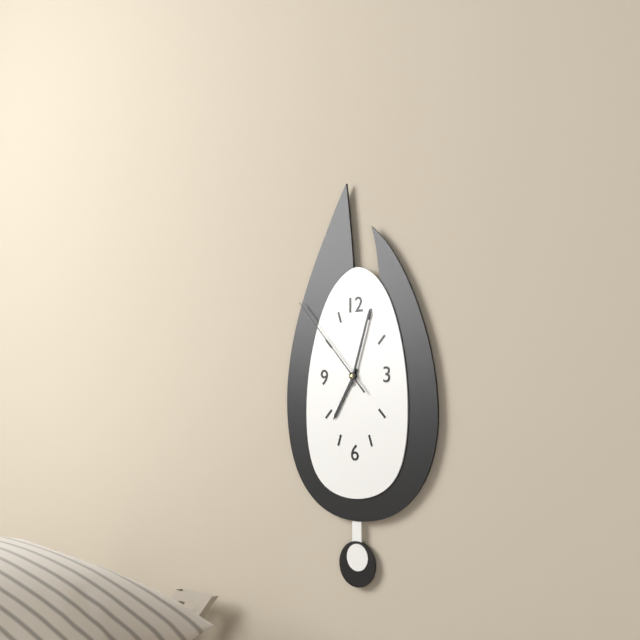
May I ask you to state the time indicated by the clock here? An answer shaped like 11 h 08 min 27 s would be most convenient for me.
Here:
7 h 03 min 53 s
